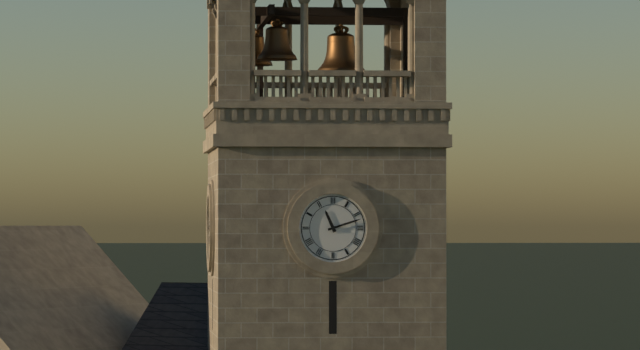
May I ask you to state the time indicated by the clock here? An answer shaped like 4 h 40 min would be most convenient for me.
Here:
11 h 12 min
